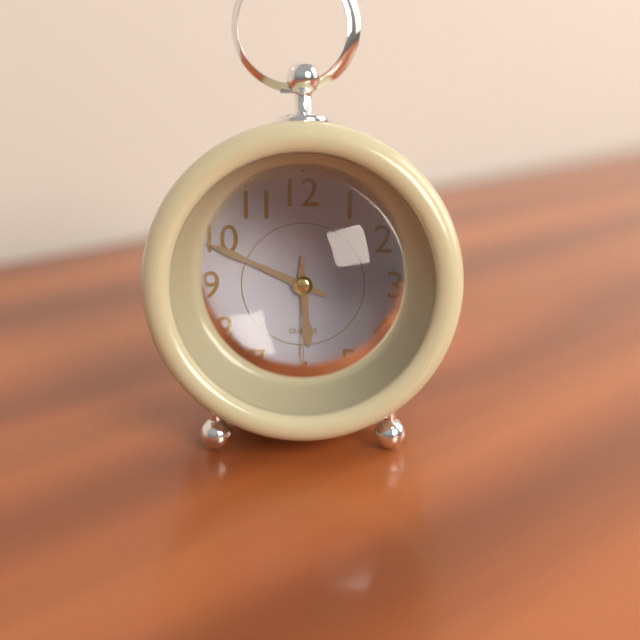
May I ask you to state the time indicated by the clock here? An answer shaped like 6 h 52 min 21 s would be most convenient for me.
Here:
5 h 49 min 30 s
